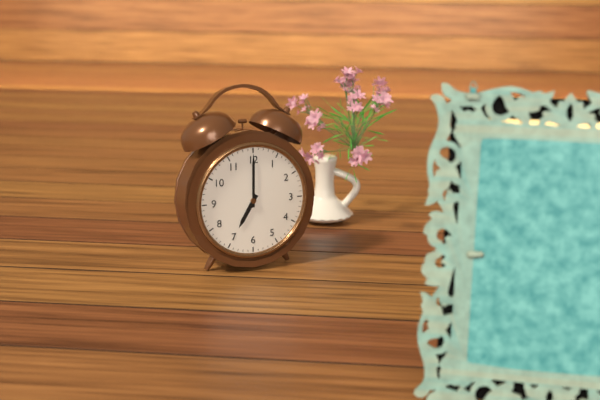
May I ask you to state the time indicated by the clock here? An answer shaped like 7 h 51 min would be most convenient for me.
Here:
7 h 00 min
